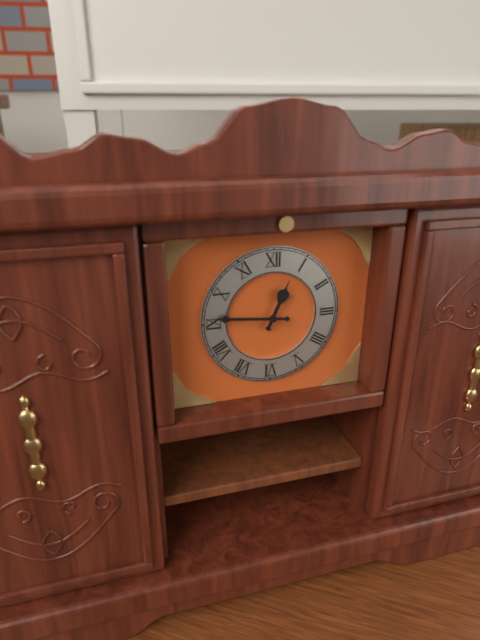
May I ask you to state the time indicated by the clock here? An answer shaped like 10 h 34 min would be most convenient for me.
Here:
12 h 46 min
